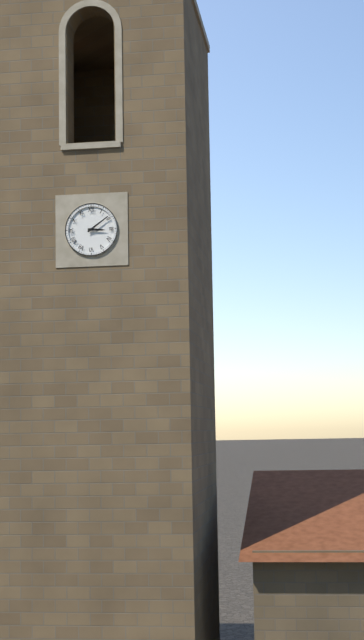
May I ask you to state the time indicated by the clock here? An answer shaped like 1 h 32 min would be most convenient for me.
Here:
3 h 09 min
